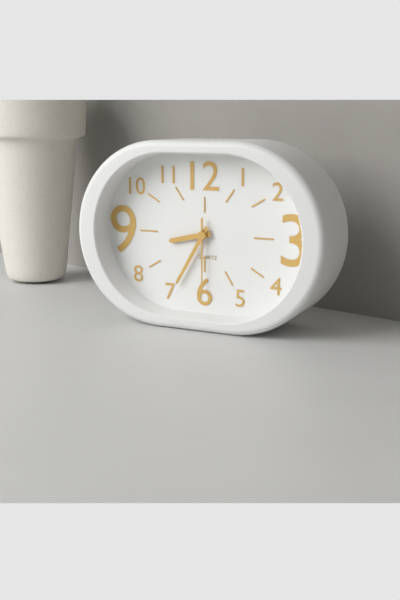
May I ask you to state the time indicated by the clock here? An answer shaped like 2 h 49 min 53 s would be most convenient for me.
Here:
8 h 35 min 30 s
